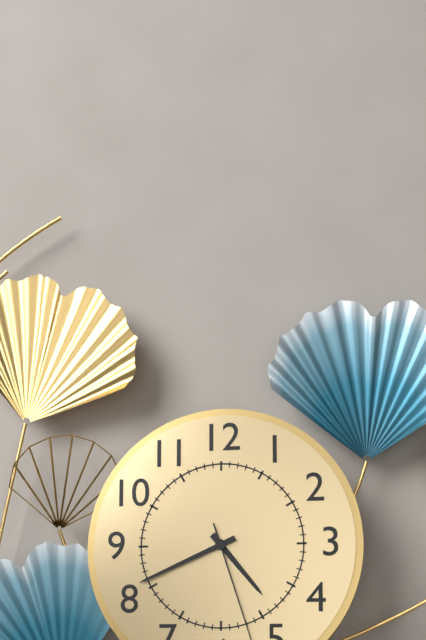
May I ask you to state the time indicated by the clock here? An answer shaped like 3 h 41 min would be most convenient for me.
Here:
4 h 41 min
